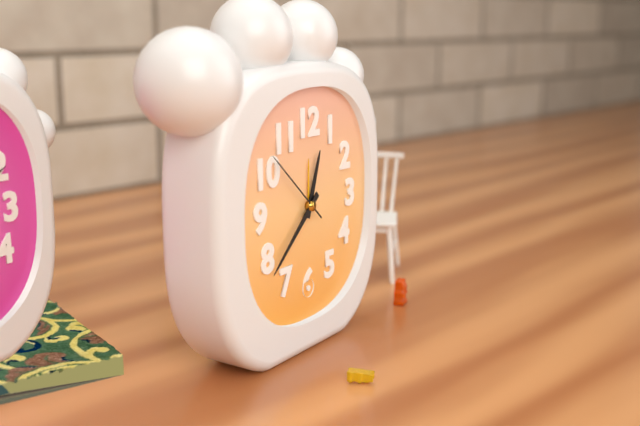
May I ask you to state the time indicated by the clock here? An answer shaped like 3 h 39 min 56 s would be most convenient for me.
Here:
12 h 38 min 52 s
